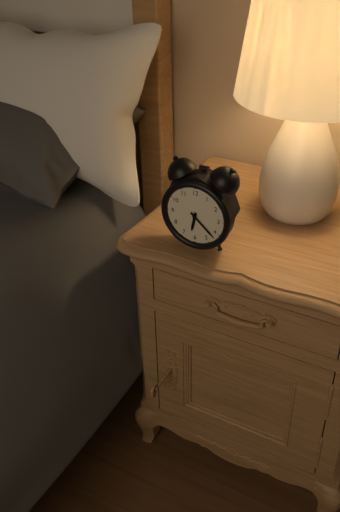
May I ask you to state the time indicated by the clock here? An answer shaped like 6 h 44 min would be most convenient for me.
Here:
6 h 22 min
